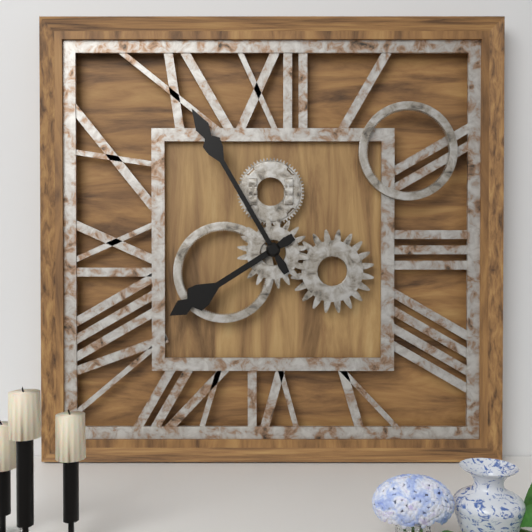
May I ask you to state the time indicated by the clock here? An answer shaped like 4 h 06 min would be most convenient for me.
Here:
7 h 55 min
